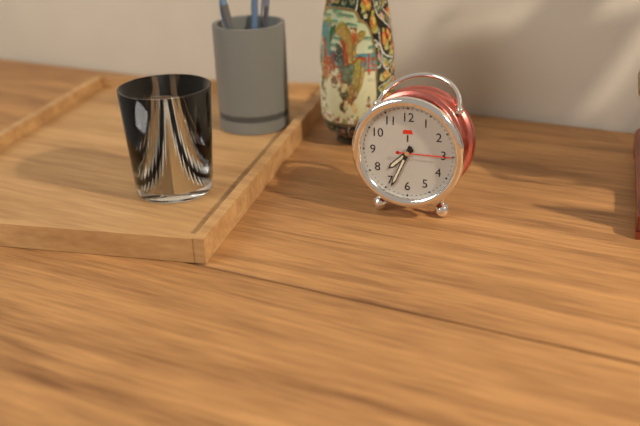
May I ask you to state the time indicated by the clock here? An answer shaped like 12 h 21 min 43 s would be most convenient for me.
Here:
7 h 34 min 15 s
